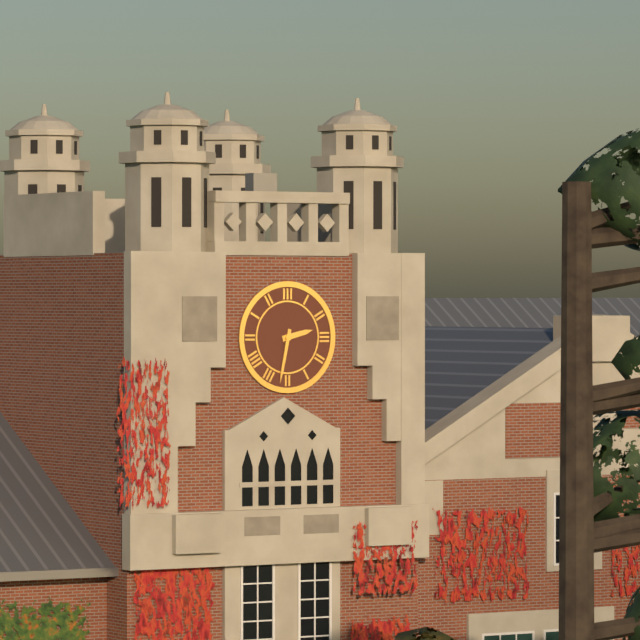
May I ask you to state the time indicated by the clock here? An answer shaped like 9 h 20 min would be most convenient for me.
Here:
2 h 32 min
